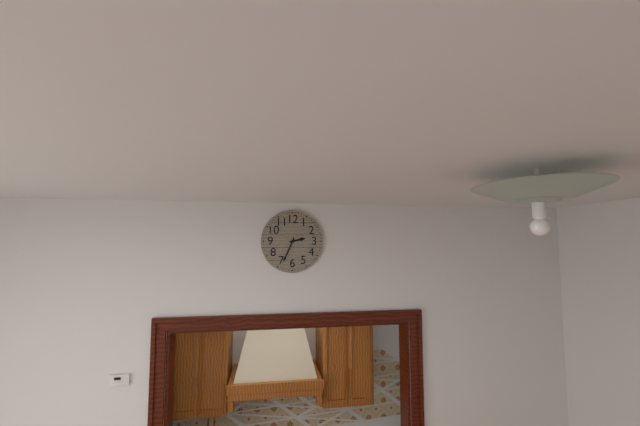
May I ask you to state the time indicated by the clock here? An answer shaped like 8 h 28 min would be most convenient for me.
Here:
2 h 34 min
